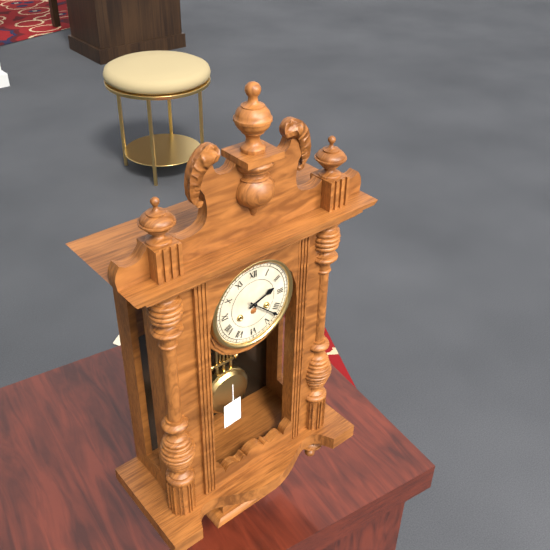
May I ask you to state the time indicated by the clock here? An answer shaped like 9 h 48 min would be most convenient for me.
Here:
2 h 22 min
